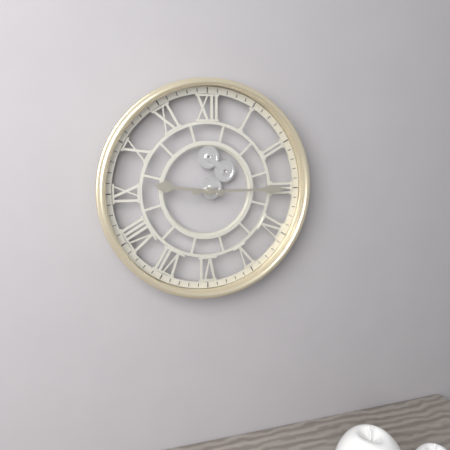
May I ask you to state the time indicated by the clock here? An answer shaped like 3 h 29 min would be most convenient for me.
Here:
9 h 15 min
